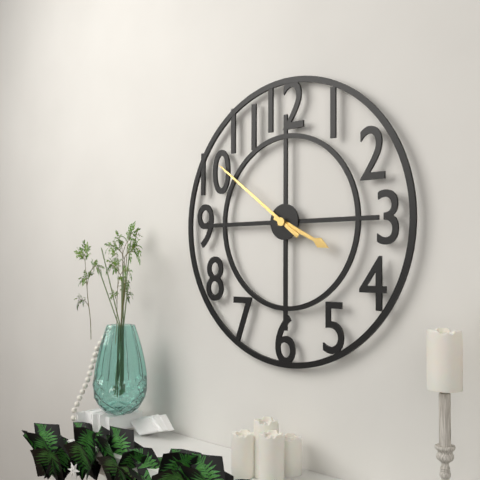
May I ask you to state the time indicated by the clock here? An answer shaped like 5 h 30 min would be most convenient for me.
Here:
3 h 51 min
